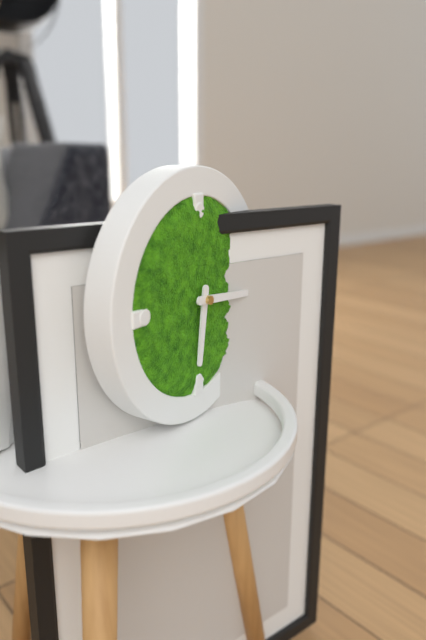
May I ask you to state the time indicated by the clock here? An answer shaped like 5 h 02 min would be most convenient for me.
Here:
6 h 16 min
